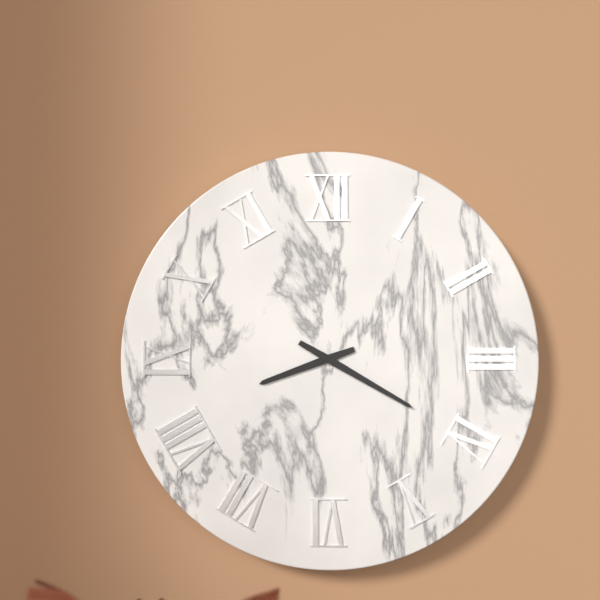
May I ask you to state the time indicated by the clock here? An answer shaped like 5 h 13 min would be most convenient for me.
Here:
8 h 20 min
